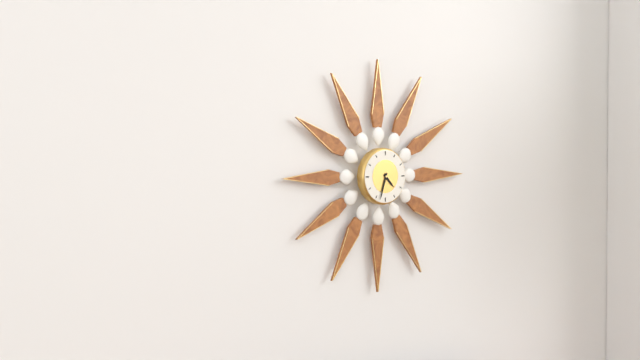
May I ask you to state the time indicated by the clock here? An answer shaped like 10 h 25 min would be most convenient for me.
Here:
4 h 33 min
